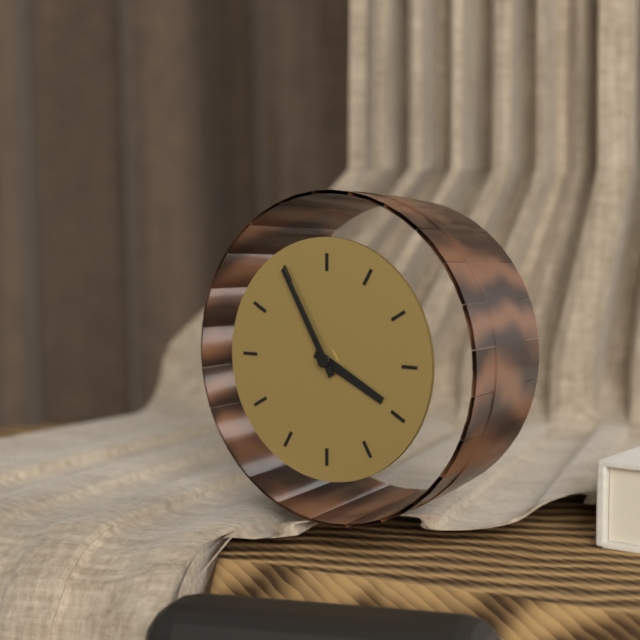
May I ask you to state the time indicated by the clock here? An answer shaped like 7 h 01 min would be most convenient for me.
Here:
3 h 55 min
